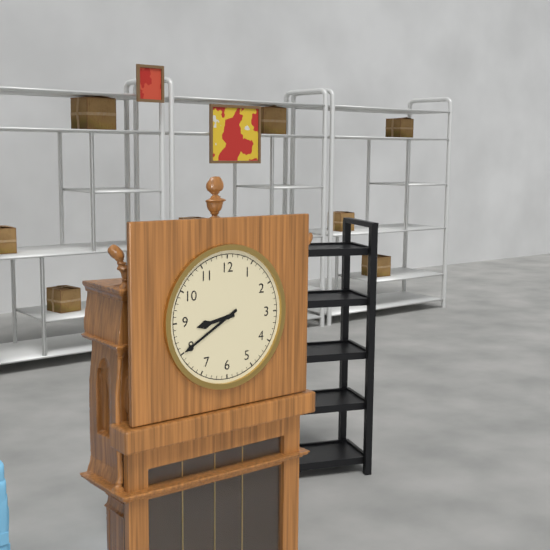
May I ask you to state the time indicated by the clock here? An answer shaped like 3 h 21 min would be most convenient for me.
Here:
8 h 40 min
